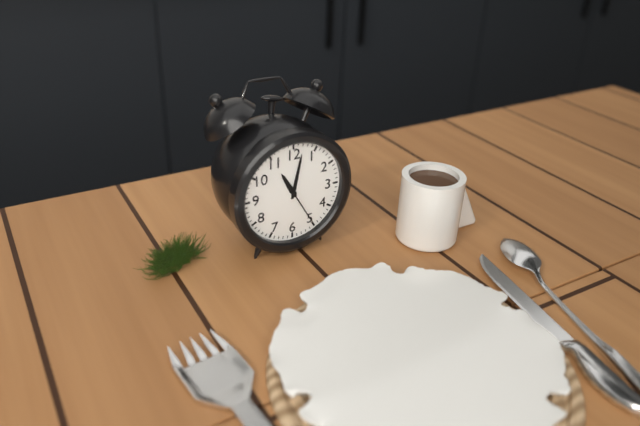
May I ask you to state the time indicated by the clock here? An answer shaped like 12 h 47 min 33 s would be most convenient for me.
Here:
11 h 02 min 25 s
